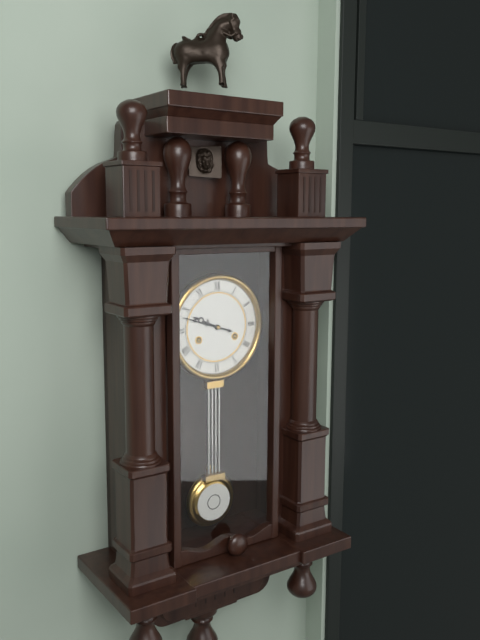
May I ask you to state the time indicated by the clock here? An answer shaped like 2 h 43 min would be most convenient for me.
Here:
9 h 48 min
